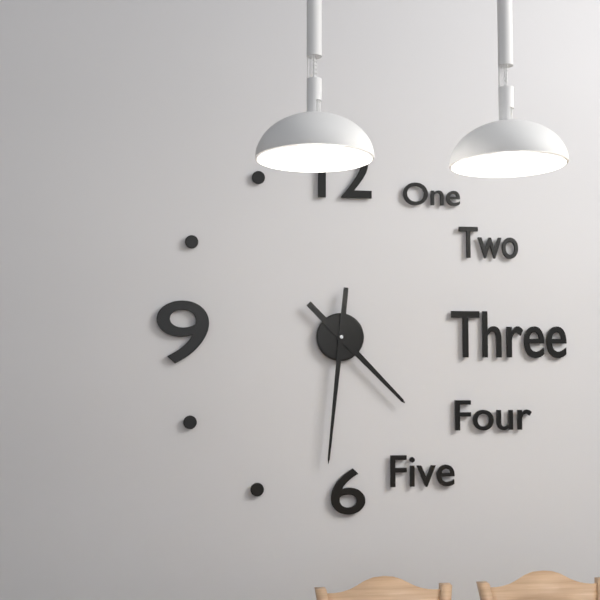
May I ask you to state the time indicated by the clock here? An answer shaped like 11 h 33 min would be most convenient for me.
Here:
4 h 31 min
